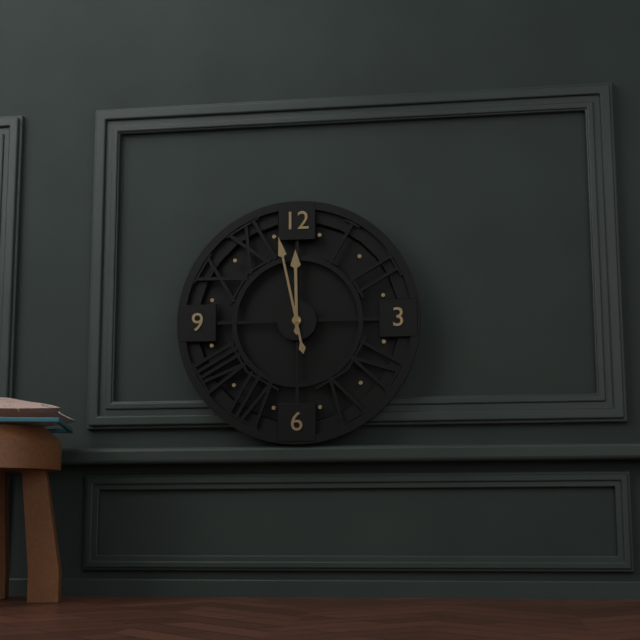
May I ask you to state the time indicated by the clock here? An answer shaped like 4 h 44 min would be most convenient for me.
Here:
11 h 58 min
